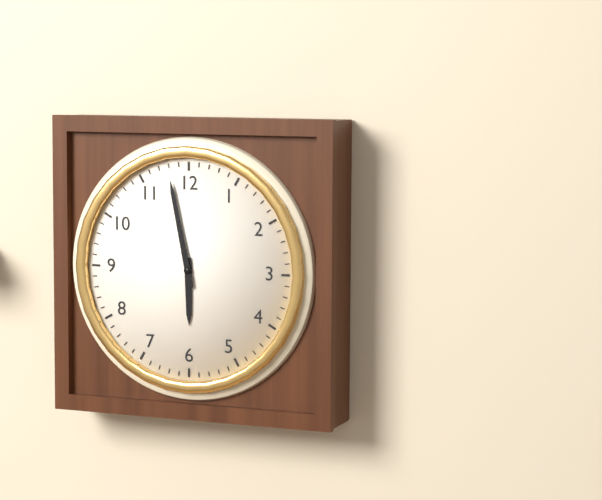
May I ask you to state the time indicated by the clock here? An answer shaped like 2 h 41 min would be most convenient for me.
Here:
5 h 58 min
